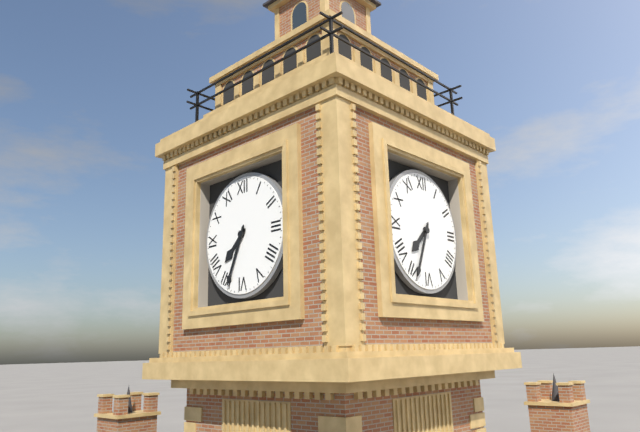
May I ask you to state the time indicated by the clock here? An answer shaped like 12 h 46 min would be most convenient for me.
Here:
7 h 34 min
